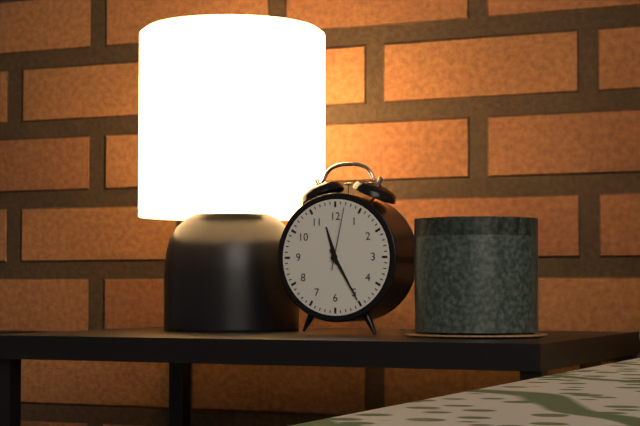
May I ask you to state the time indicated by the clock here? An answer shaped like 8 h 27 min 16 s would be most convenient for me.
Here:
11 h 25 min 02 s
